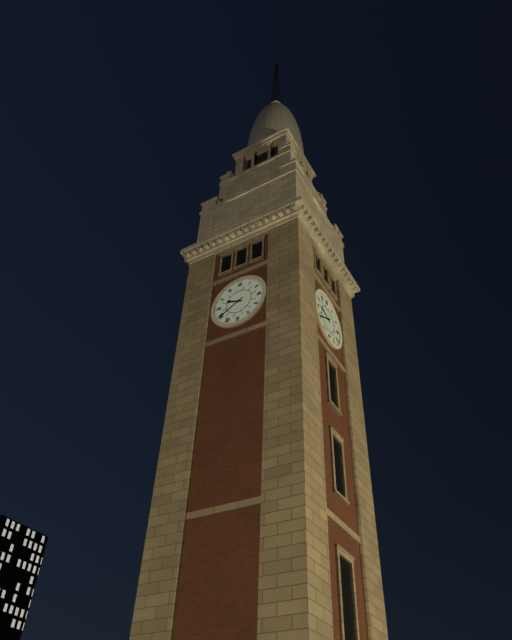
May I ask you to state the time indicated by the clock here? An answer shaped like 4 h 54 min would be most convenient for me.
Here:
9 h 40 min
